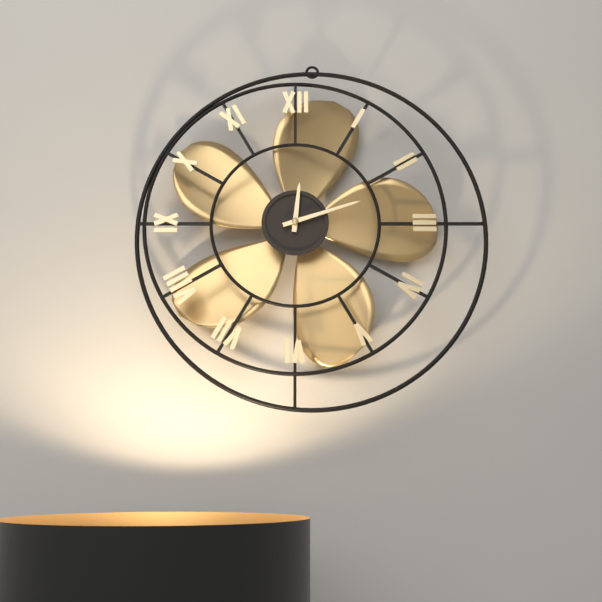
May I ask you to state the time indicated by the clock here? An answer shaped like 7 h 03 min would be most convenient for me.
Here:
12 h 12 min
